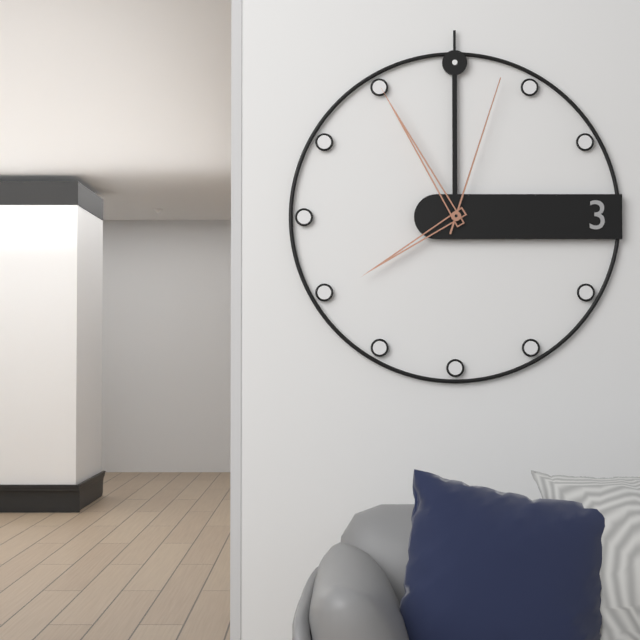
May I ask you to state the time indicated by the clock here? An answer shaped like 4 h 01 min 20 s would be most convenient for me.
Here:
7 h 55 min 03 s
